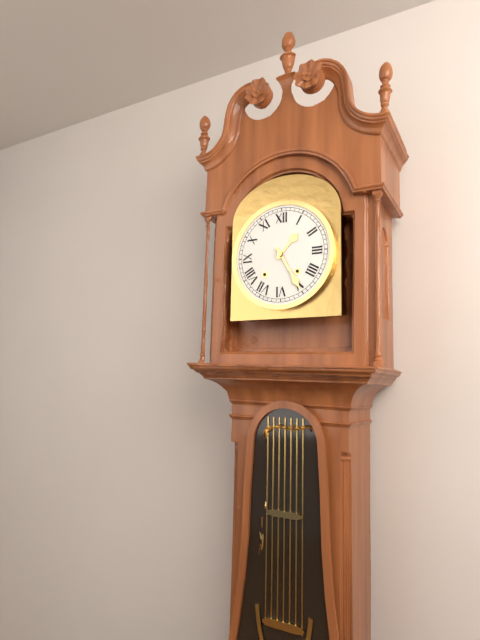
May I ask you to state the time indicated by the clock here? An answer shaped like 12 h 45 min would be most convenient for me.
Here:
1 h 25 min
